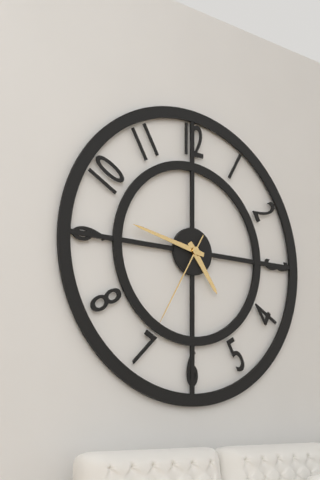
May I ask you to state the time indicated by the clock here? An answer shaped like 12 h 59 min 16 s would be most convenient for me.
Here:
4 h 47 min 35 s
